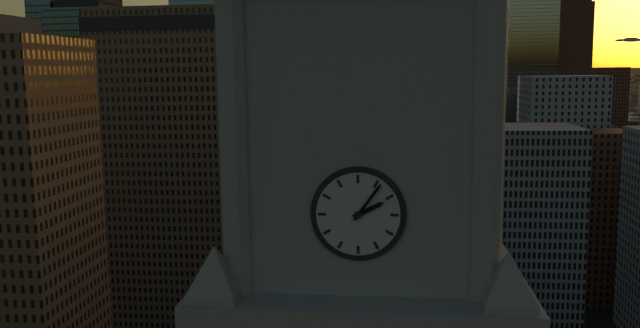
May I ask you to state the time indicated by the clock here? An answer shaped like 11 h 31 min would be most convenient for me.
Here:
2 h 06 min
